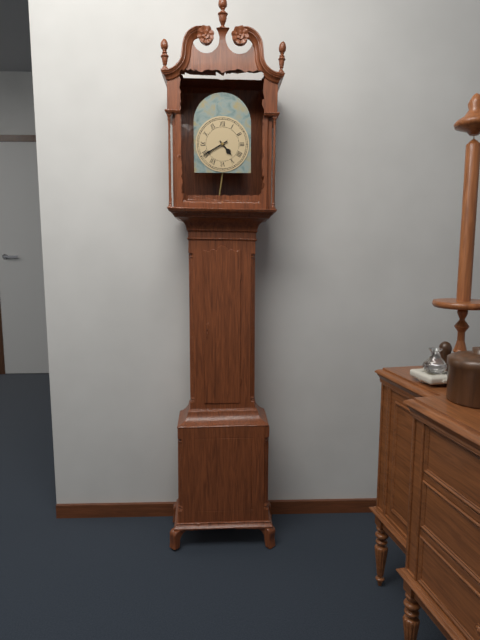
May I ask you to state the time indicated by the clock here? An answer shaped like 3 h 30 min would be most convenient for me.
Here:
4 h 40 min
